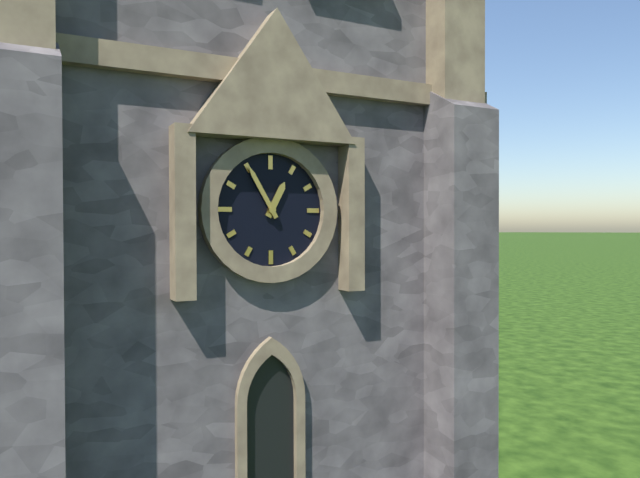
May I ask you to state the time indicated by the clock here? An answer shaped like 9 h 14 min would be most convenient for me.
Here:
12 h 55 min
